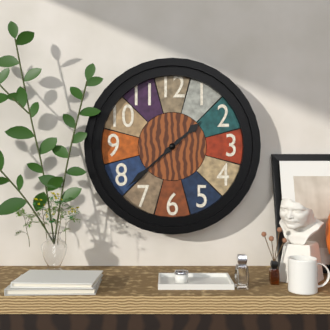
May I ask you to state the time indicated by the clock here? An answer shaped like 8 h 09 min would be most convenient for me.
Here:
1 h 38 min
